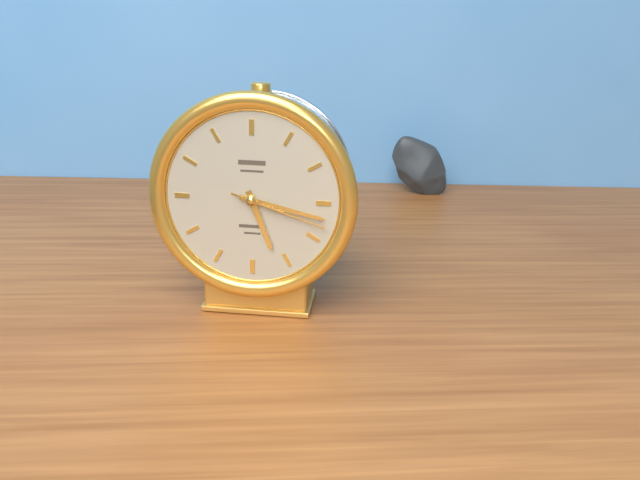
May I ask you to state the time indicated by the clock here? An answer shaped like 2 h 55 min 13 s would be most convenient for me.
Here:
5 h 17 min 18 s
